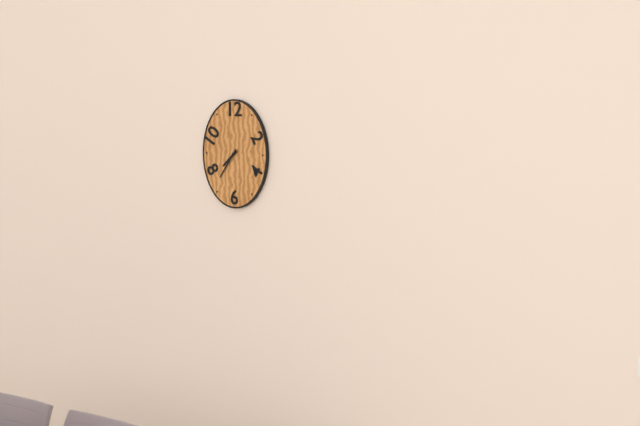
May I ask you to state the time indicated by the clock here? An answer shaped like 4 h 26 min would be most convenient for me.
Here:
7 h 36 min
